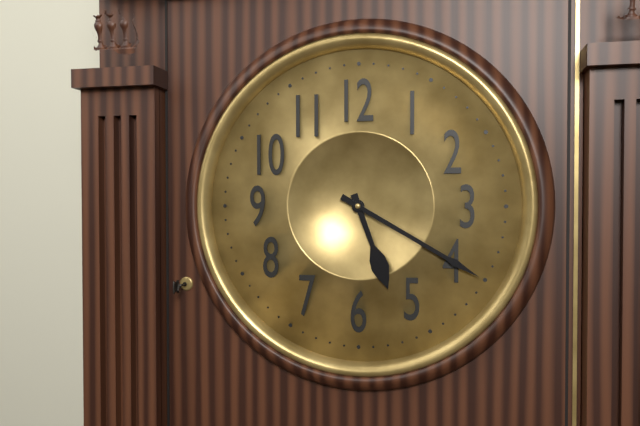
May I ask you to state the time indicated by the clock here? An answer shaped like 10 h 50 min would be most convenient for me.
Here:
5 h 20 min
